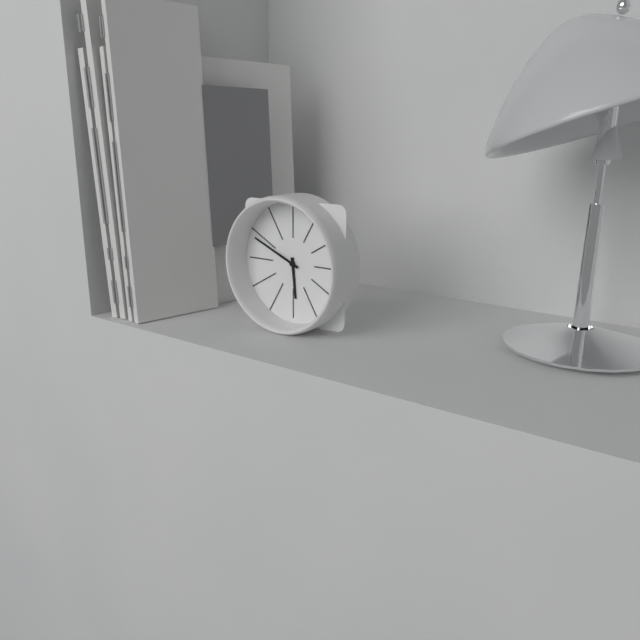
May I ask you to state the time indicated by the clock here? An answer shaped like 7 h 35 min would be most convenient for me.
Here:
5 h 49 min
